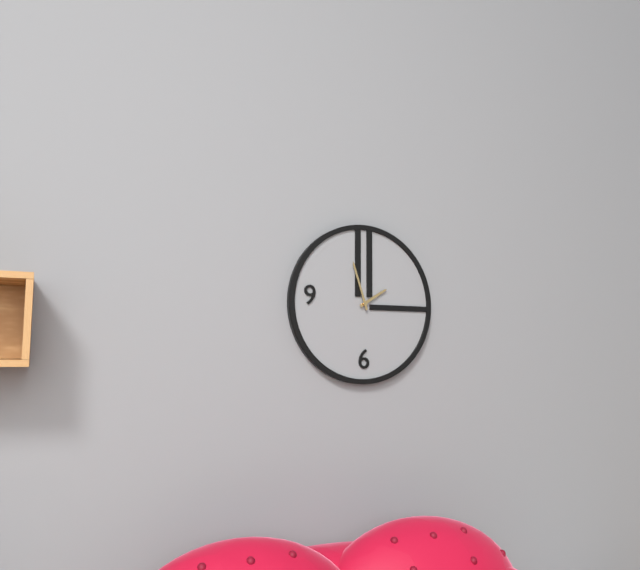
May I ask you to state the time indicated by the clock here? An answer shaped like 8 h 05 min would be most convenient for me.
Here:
1 h 57 min
